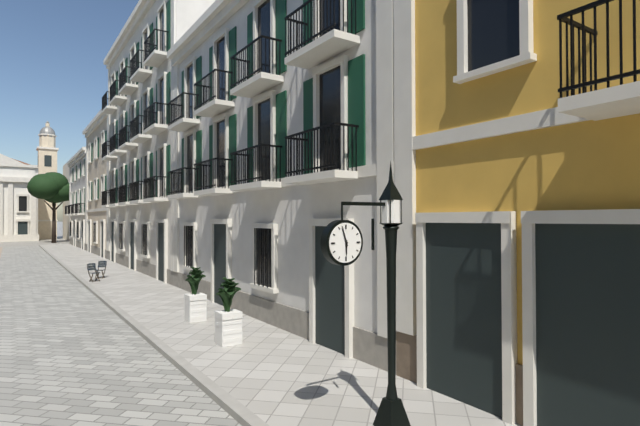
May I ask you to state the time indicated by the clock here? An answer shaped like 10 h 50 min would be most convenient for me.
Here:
5 h 57 min
